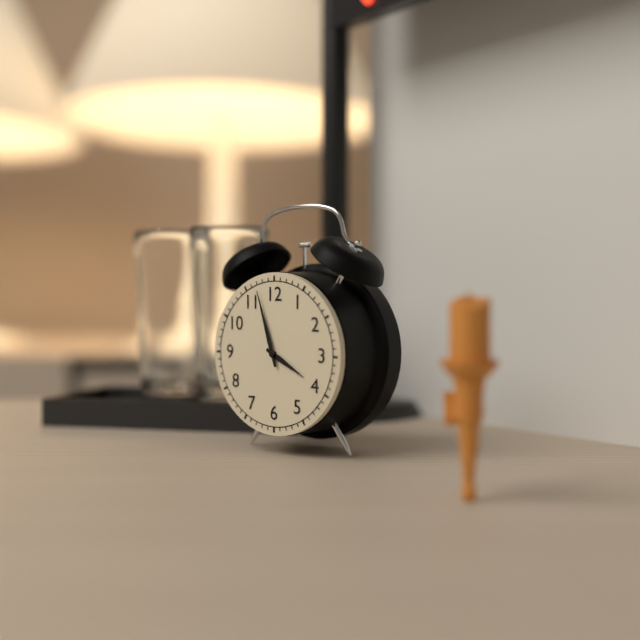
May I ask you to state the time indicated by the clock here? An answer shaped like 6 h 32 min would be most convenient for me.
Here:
3 h 57 min
